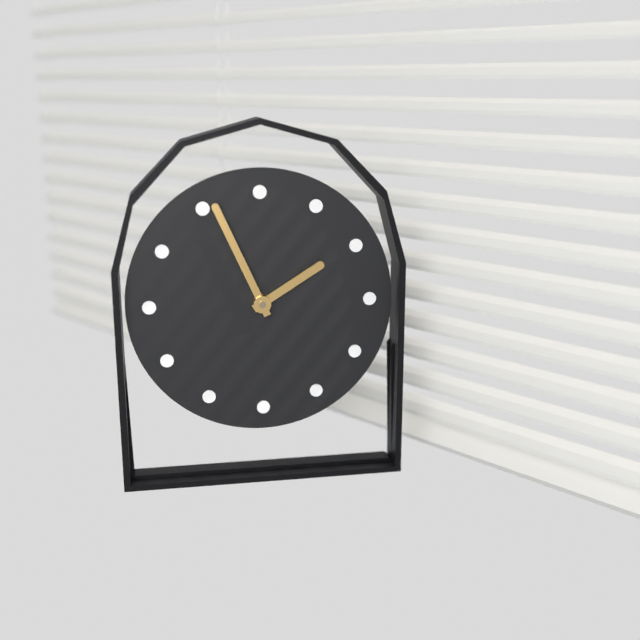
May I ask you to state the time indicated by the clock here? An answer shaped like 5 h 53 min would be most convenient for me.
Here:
1 h 56 min
